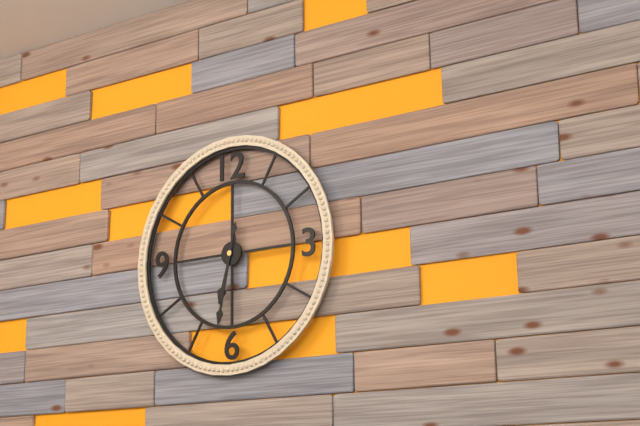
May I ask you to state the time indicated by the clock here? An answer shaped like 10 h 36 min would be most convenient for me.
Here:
6 h 32 min
